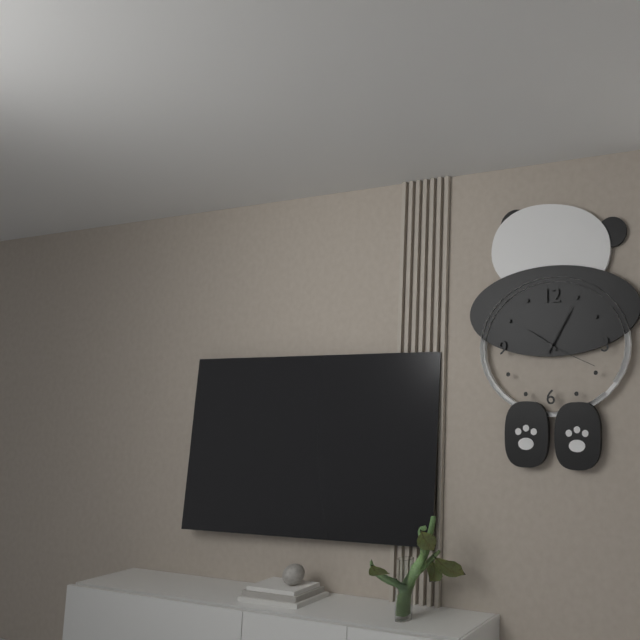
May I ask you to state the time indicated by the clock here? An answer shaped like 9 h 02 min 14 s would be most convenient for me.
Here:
10 h 05 min 19 s
